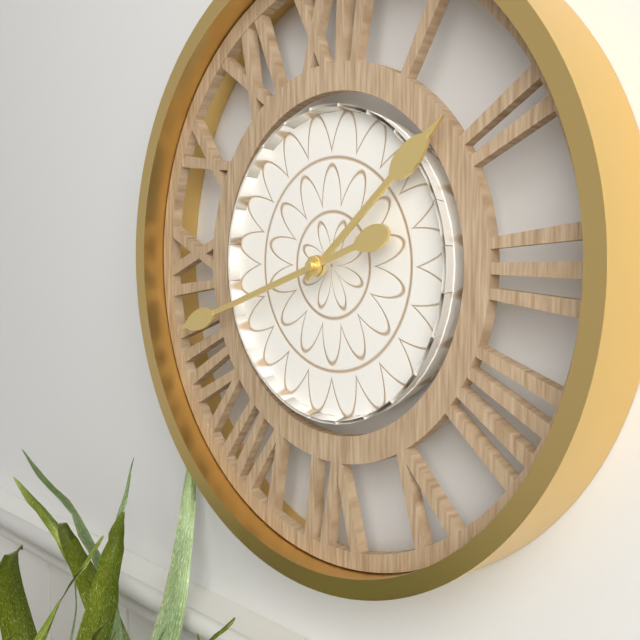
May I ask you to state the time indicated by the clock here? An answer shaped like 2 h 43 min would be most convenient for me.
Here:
1 h 42 min
